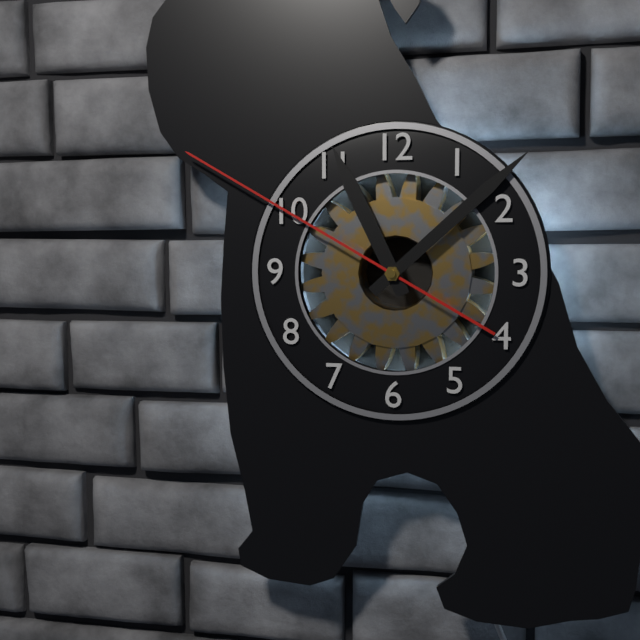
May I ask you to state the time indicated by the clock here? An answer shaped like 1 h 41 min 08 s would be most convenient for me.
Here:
11 h 08 min 50 s
